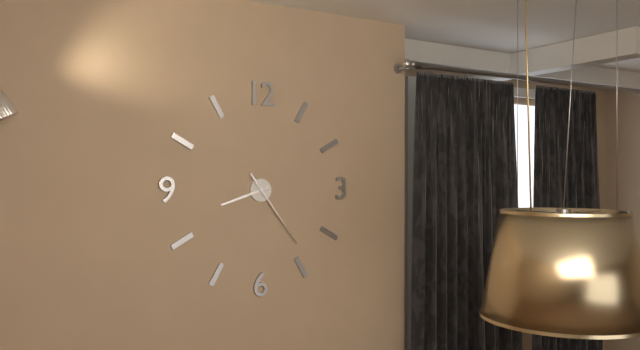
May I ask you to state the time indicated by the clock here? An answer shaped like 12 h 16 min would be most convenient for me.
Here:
8 h 24 min
